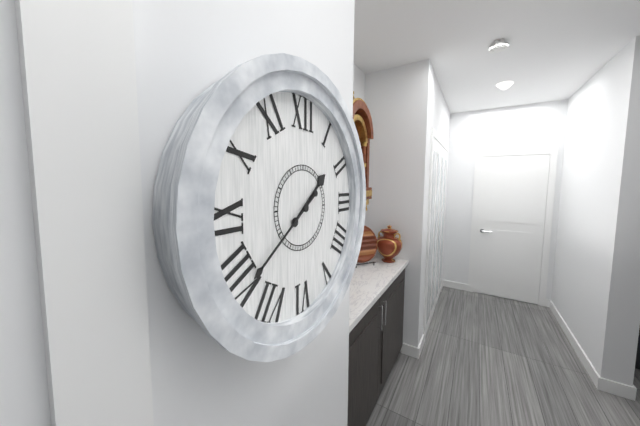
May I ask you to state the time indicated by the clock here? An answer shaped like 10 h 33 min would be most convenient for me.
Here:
1 h 39 min
